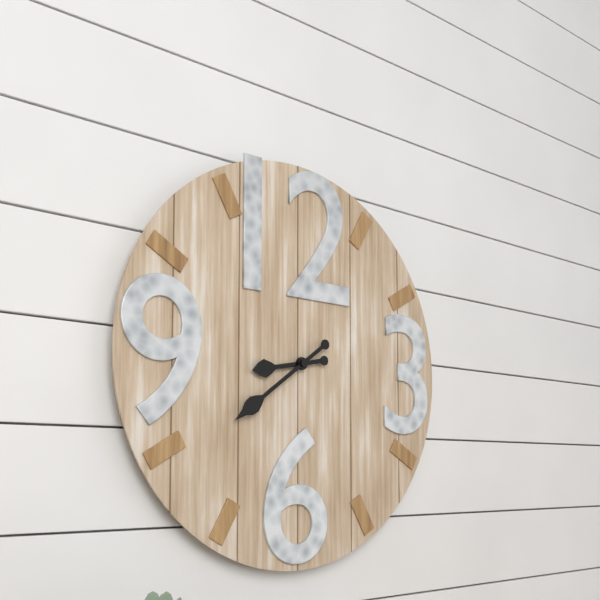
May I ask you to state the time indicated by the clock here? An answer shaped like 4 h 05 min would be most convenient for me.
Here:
8 h 39 min
